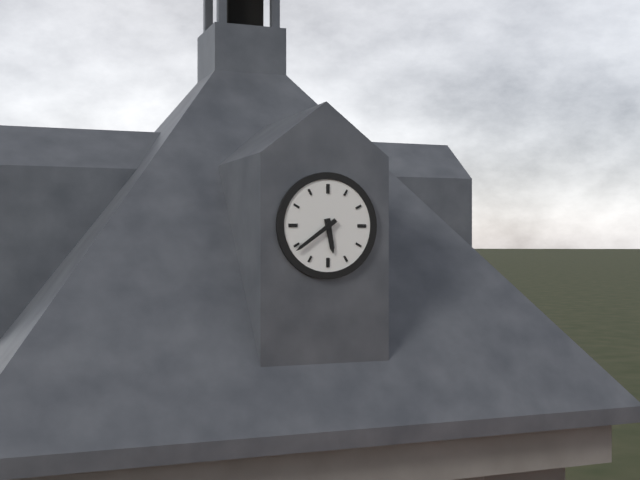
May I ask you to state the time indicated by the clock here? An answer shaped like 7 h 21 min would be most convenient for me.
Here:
5 h 39 min
